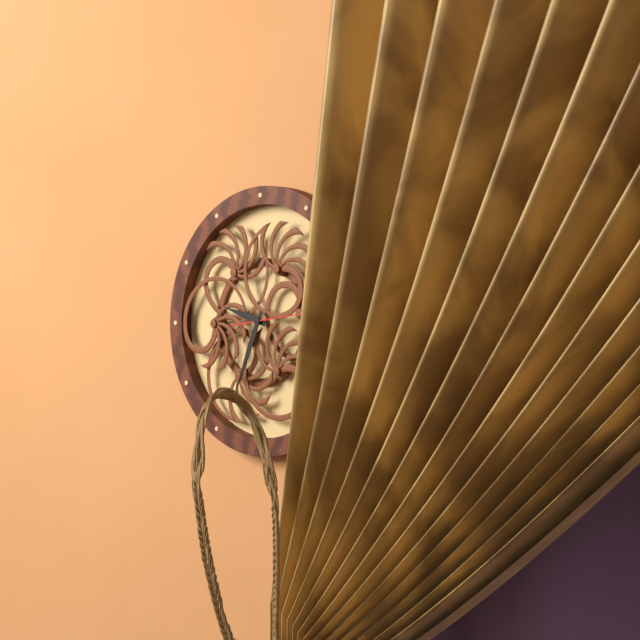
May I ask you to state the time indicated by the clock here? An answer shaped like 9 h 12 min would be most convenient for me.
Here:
9 h 34 min
